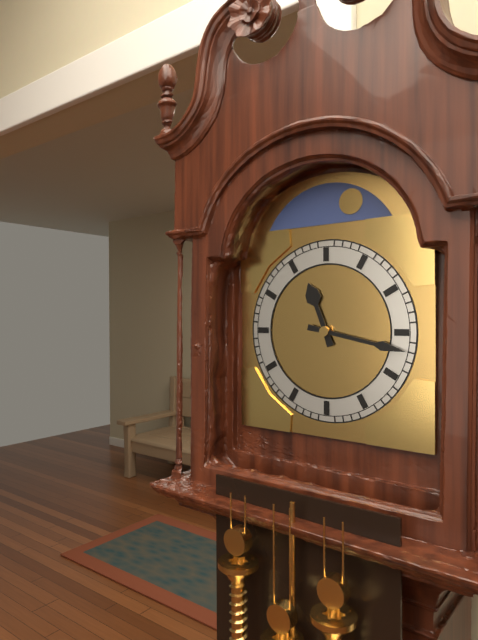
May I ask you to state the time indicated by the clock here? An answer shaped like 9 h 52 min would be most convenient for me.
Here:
11 h 17 min
